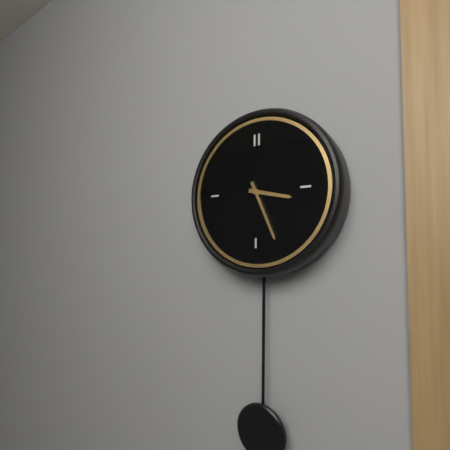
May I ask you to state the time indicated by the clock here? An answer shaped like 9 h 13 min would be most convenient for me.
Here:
3 h 26 min
